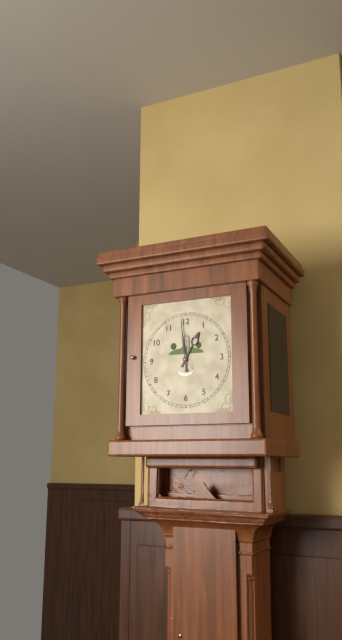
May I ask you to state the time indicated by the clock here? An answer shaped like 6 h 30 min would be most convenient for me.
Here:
12 h 59 min
